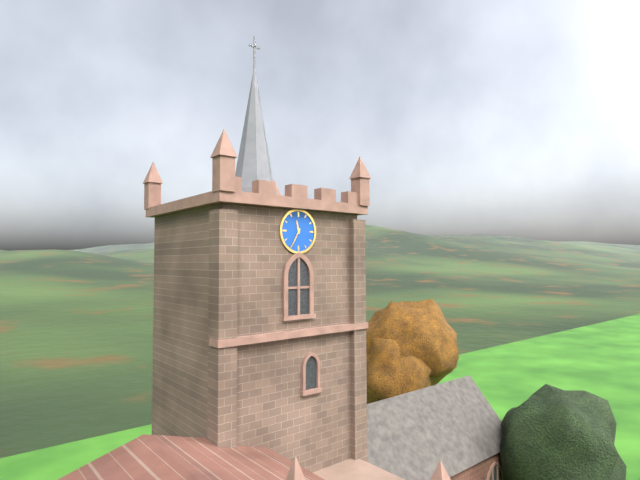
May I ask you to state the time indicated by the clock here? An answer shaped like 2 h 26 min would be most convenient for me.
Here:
11 h 35 min
